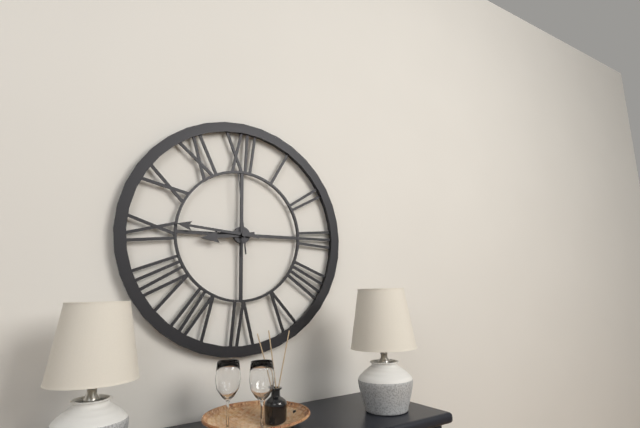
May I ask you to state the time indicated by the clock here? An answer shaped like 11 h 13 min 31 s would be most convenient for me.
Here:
8 h 46 min 59 s
